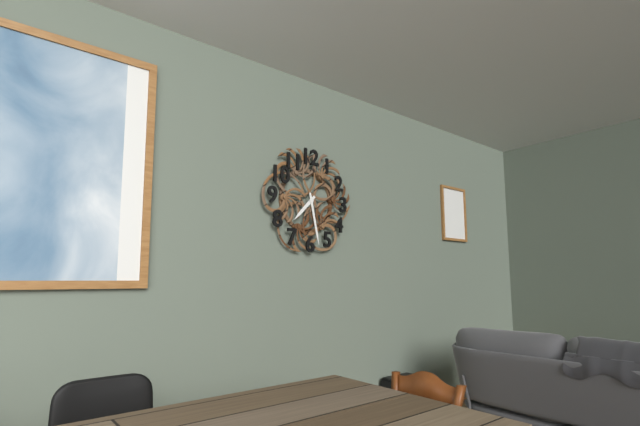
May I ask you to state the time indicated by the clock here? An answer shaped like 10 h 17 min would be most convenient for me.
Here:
7 h 28 min
